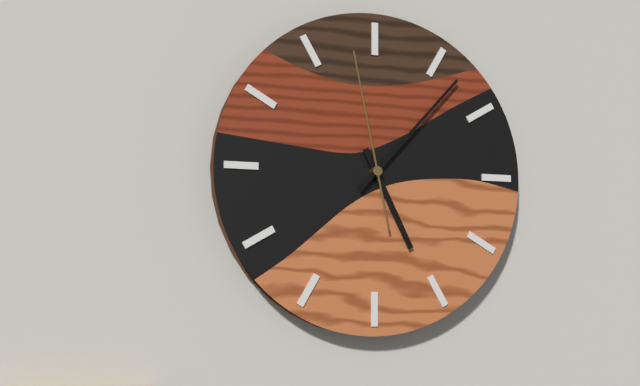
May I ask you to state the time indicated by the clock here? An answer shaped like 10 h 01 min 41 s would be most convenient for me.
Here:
5 h 07 min 58 s
